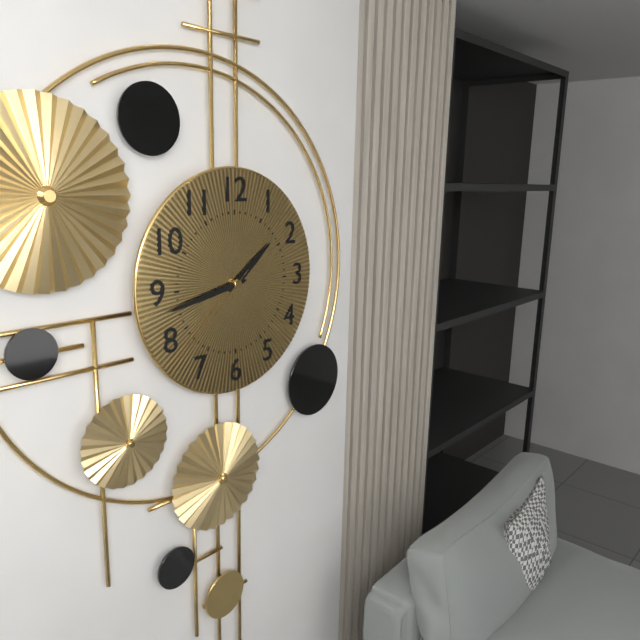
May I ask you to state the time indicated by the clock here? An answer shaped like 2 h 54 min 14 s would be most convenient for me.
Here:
1 h 43 min 38 s
